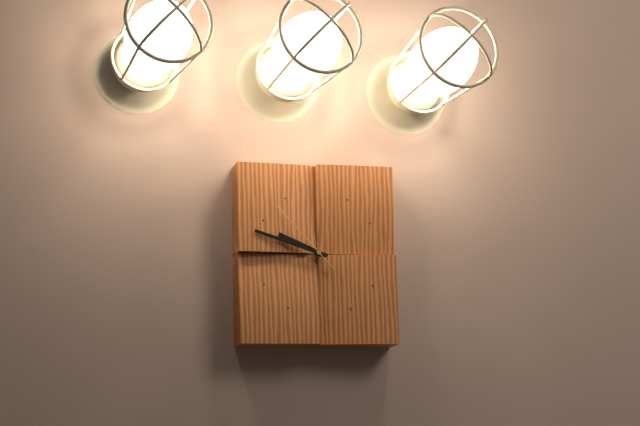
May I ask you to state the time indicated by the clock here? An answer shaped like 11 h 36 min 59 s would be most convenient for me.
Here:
9 h 48 min 53 s
